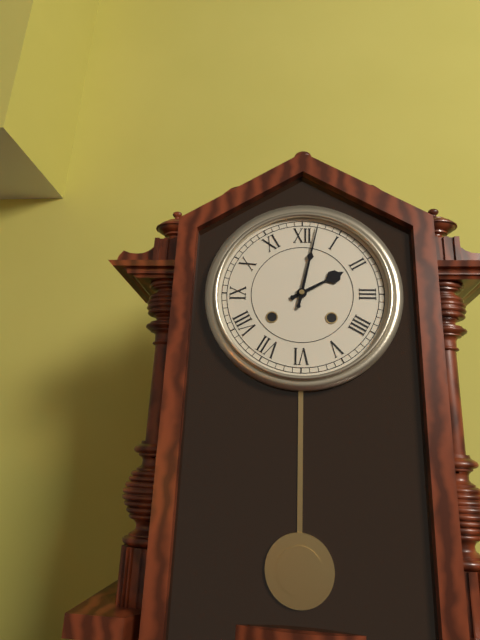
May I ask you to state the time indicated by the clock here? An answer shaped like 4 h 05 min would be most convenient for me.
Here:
2 h 02 min
